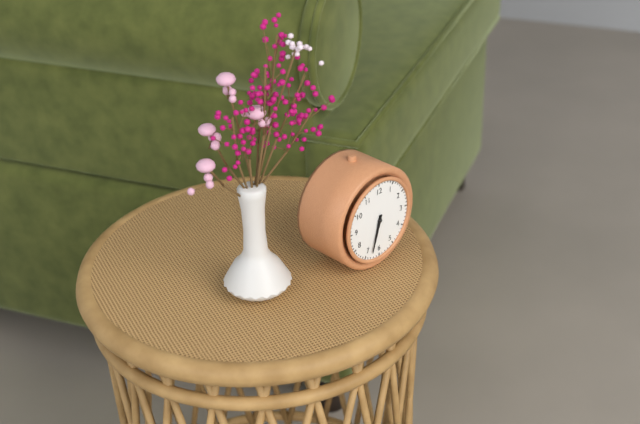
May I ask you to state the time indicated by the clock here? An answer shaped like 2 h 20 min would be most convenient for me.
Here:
6 h 33 min
